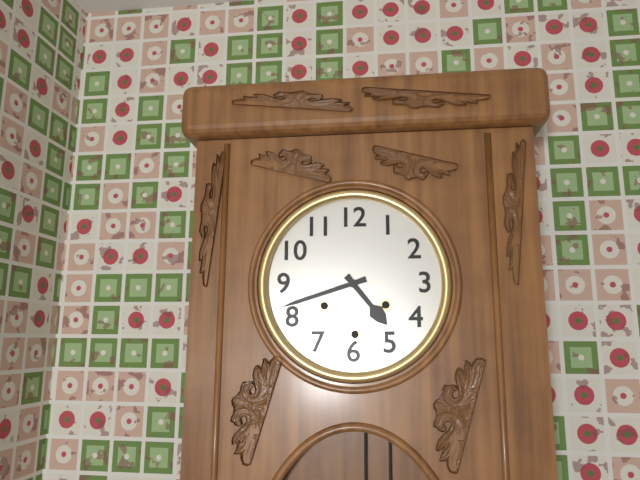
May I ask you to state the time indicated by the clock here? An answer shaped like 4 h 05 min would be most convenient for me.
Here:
4 h 42 min
